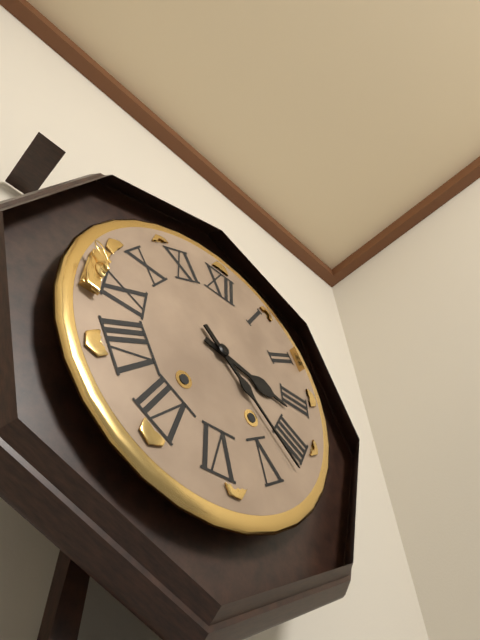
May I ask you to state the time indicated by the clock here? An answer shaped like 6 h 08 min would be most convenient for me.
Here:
3 h 22 min
